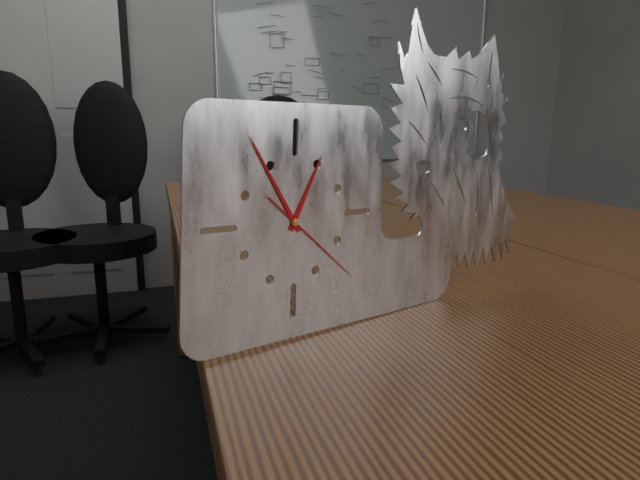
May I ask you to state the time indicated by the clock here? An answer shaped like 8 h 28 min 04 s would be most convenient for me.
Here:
12 h 55 min 22 s
